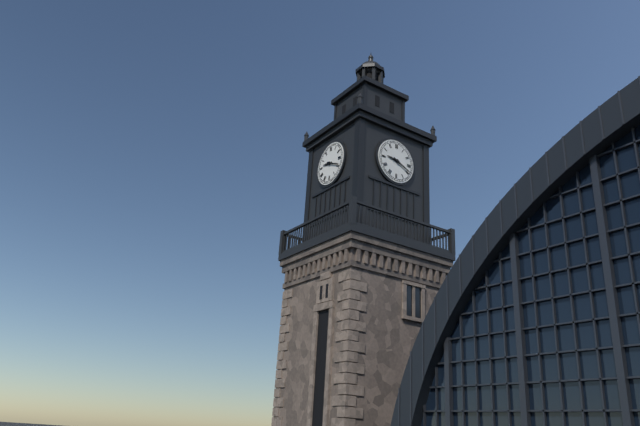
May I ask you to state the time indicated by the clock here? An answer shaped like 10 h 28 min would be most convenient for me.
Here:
9 h 19 min
